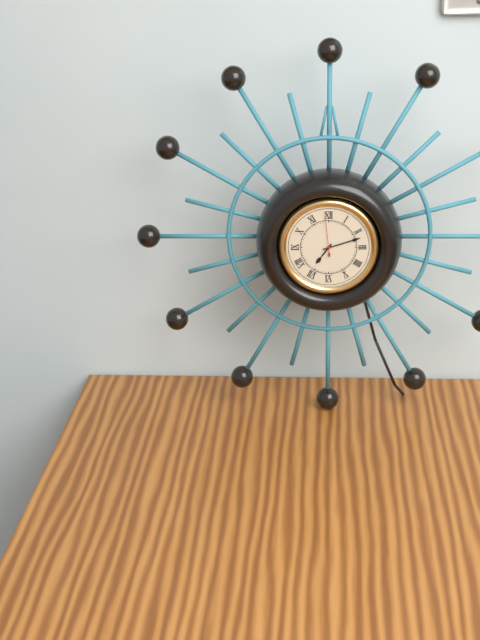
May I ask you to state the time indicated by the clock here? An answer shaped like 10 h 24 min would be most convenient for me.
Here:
7 h 12 min
